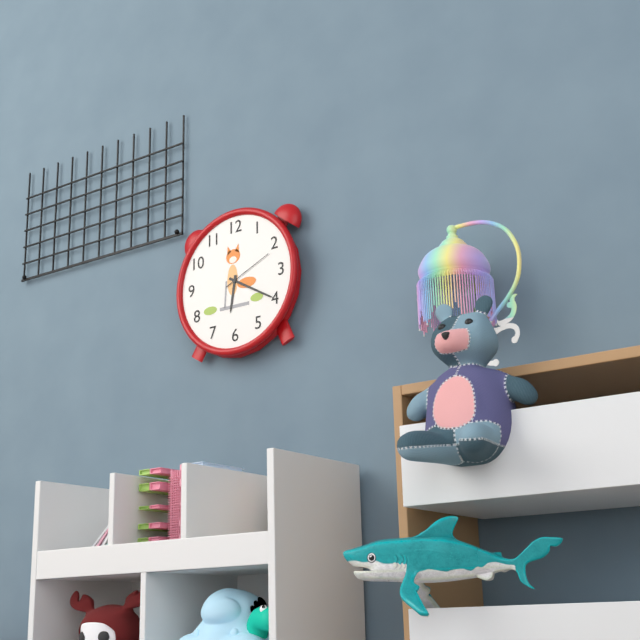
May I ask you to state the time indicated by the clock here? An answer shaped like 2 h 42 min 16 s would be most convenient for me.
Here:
6 h 20 min 11 s
